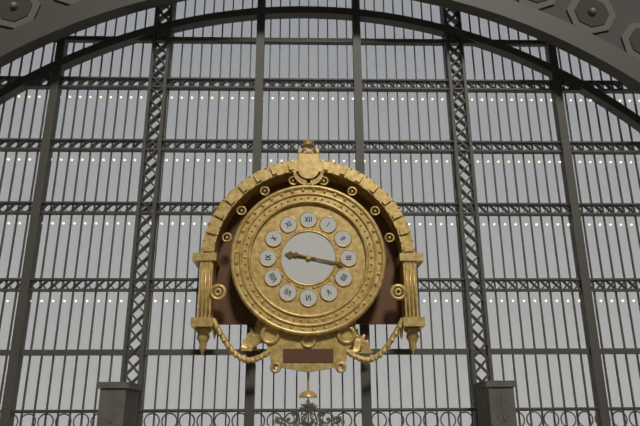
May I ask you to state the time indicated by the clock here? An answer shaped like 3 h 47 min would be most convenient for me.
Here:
9 h 17 min
